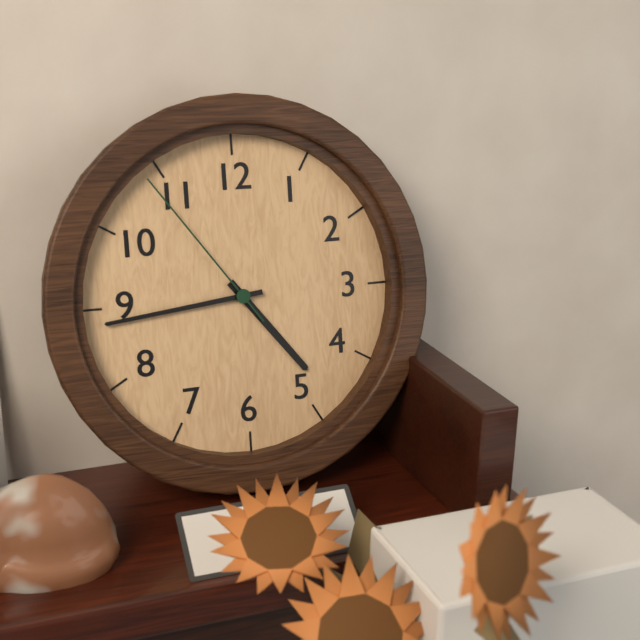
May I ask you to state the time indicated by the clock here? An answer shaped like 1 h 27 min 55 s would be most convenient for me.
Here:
4 h 44 min 54 s
